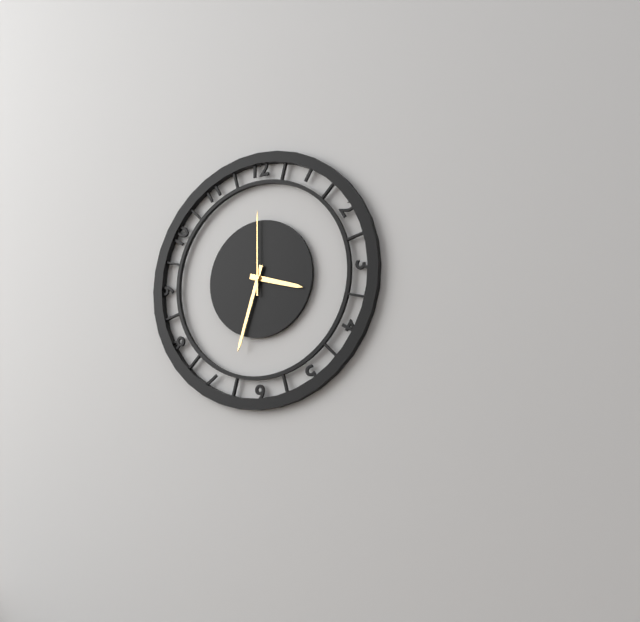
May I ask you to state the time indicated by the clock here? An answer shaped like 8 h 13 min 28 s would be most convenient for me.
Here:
3 h 33 min 00 s
